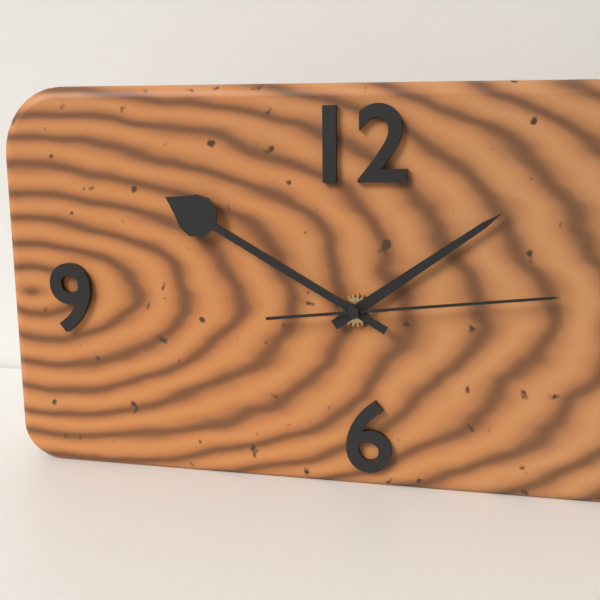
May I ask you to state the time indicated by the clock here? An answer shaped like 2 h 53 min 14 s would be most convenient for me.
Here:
1 h 50 min 14 s
